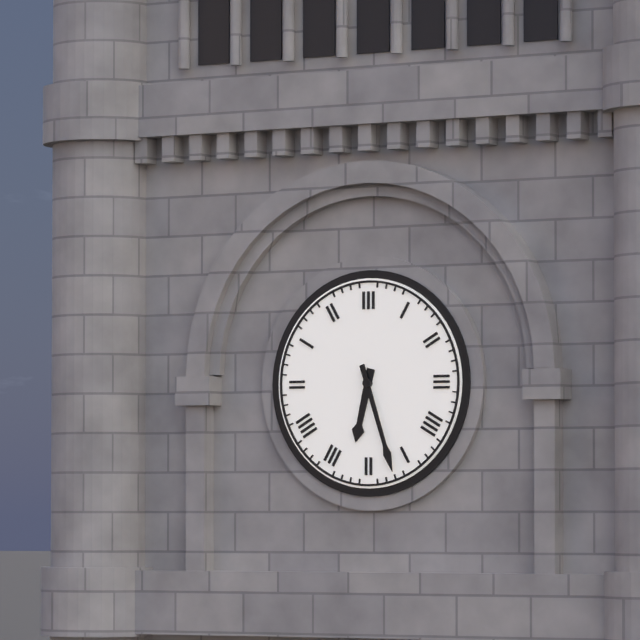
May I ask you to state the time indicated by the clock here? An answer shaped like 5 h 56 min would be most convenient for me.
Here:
6 h 27 min
